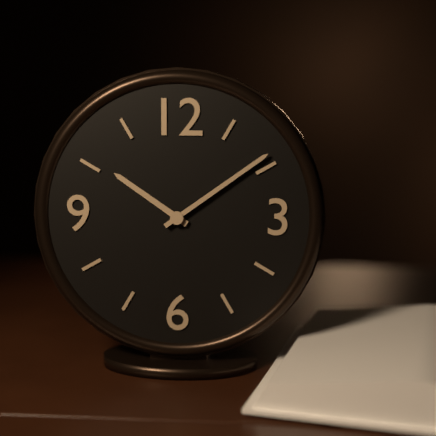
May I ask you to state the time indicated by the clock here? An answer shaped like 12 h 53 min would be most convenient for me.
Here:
10 h 09 min
